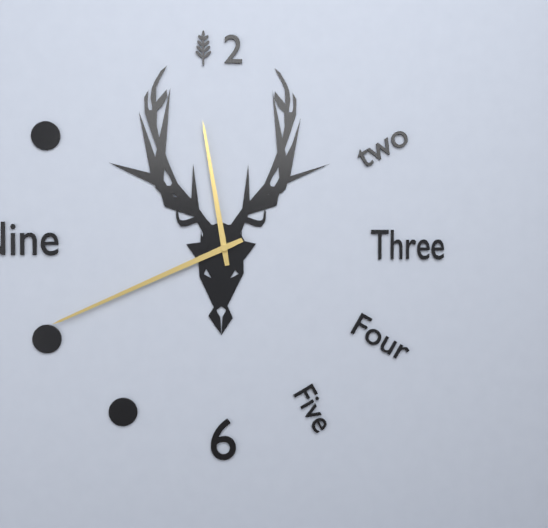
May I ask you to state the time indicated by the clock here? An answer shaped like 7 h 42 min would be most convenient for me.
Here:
11 h 41 min
